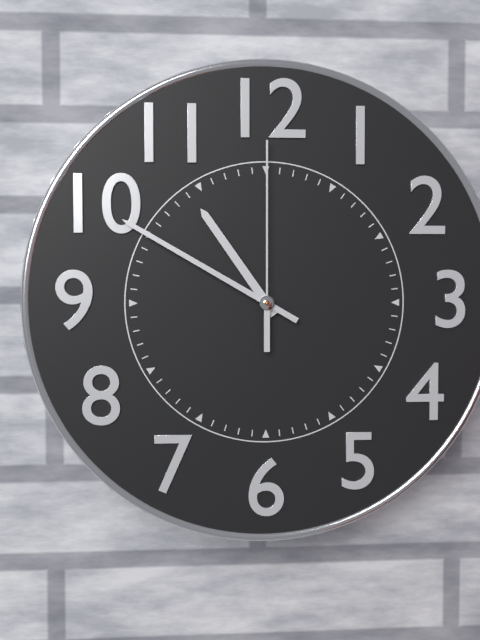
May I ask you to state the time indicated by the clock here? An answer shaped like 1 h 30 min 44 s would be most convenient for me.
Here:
10 h 50 min 00 s
